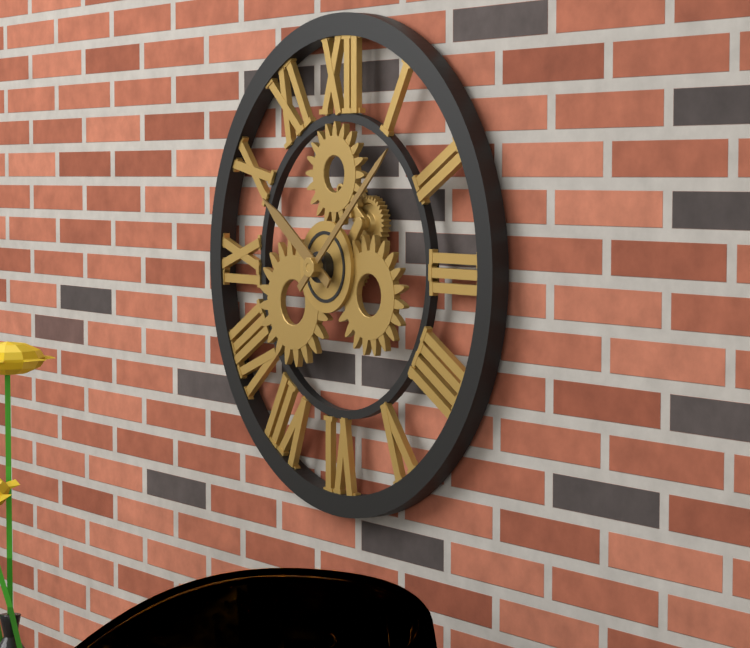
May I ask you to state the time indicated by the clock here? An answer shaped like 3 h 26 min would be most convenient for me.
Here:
10 h 08 min
